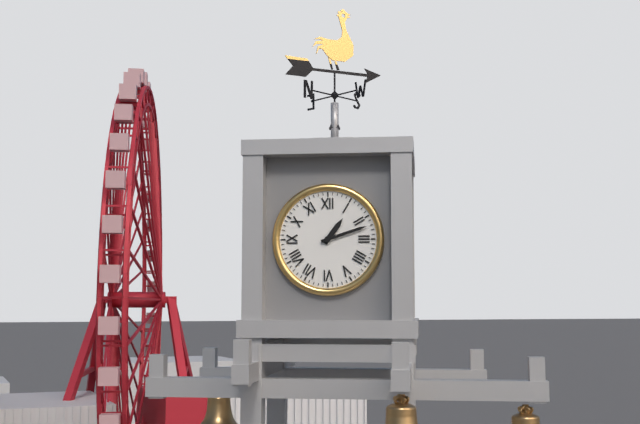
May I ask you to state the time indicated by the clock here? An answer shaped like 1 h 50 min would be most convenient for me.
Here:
1 h 12 min
